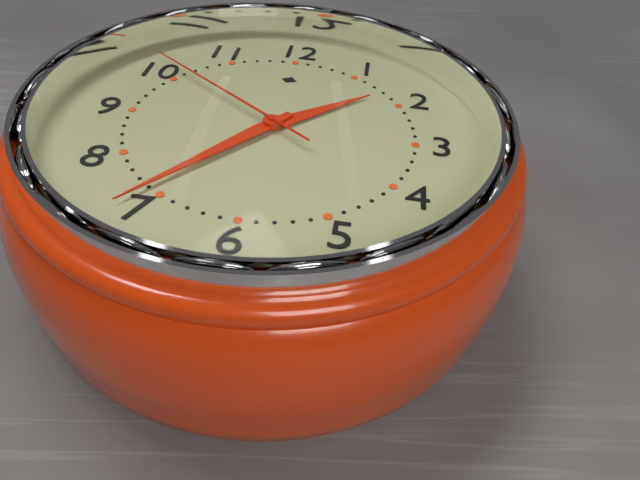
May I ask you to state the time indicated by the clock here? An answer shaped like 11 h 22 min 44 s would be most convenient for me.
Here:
1 h 36 min 51 s
